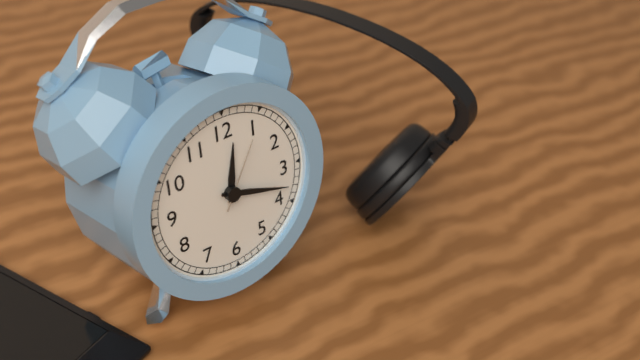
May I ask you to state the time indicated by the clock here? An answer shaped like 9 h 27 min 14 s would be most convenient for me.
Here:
12 h 18 min 05 s
